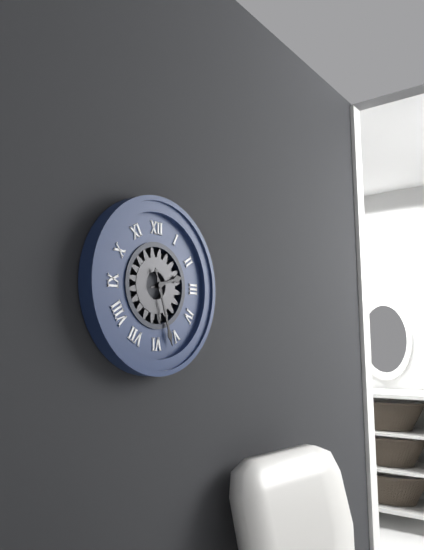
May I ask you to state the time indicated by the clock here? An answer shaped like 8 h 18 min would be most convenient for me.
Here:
2 h 27 min
